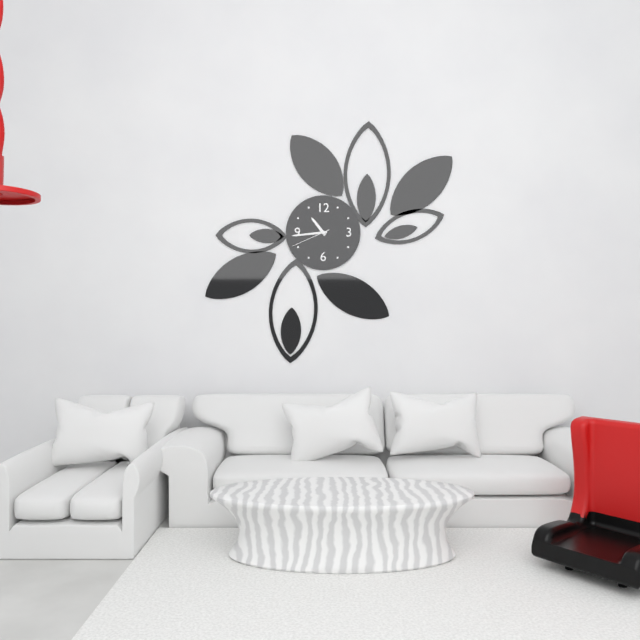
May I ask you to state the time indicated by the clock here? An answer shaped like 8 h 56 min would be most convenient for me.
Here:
10 h 44 min
